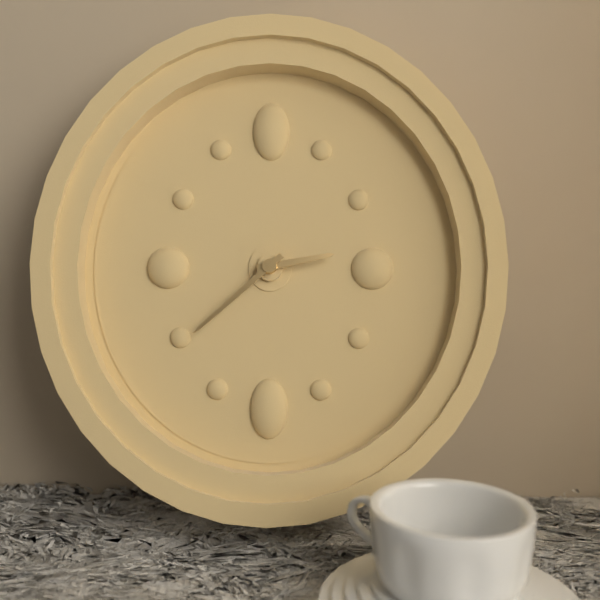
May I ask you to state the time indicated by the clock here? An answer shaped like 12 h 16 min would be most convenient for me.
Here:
2 h 38 min
